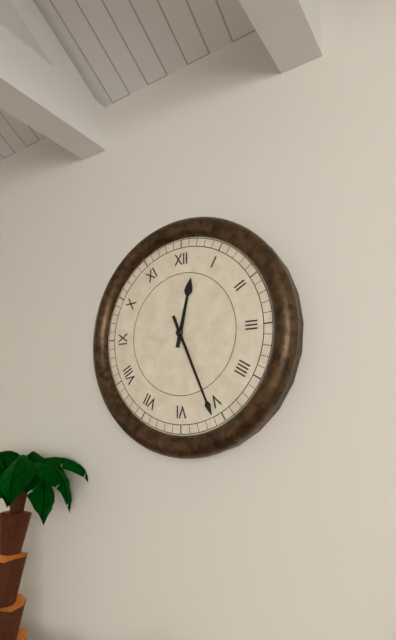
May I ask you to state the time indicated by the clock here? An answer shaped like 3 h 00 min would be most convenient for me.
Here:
12 h 26 min
